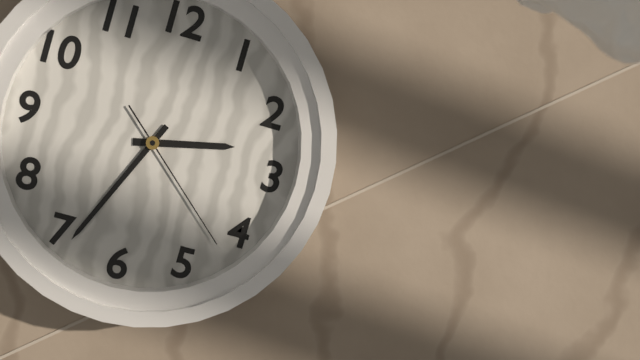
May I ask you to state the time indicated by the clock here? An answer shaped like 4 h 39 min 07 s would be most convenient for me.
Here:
2 h 34 min 22 s
